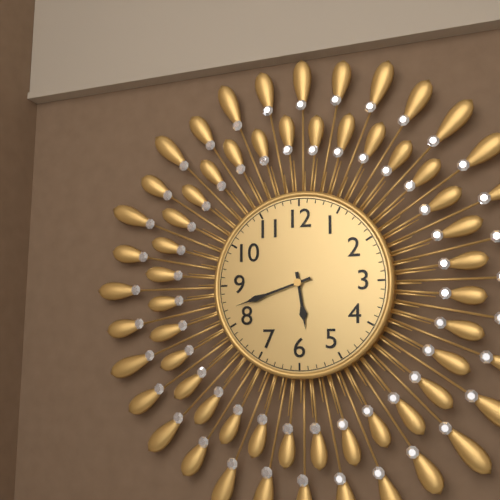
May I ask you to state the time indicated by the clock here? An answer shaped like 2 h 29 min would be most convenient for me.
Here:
5 h 42 min
